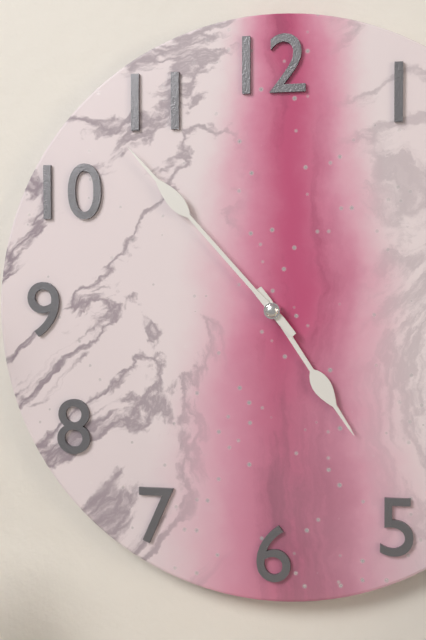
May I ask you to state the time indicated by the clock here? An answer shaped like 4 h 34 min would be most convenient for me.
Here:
4 h 53 min
